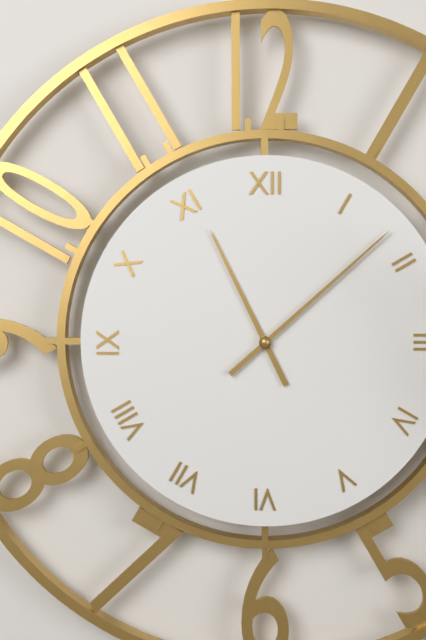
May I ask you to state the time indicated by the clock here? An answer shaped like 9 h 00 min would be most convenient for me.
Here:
11 h 08 min
